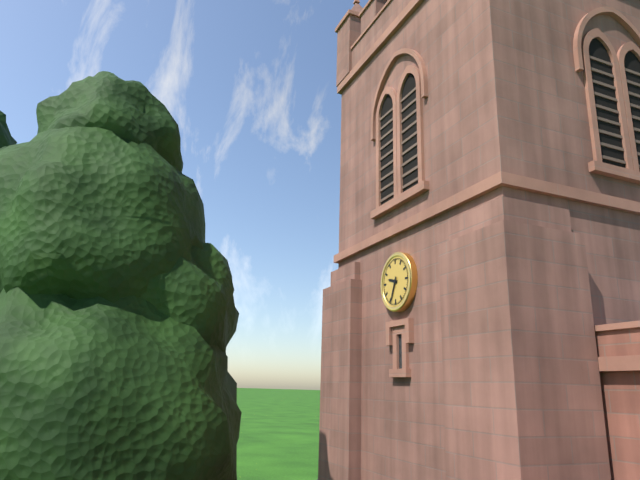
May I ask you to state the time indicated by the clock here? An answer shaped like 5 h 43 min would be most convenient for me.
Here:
9 h 34 min
